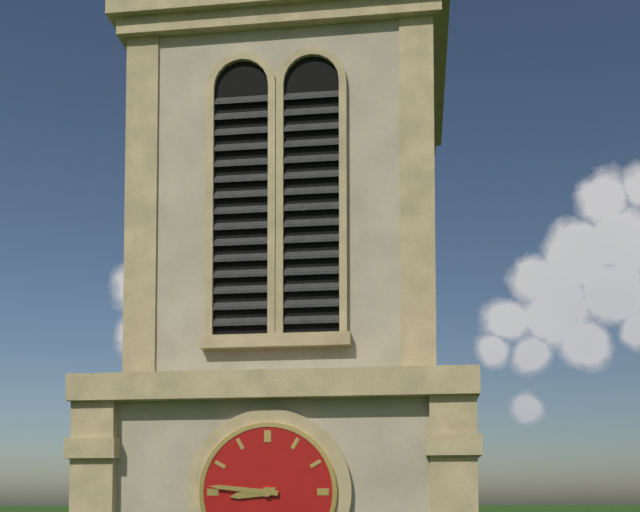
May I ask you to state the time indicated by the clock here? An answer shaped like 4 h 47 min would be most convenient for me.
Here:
8 h 46 min
